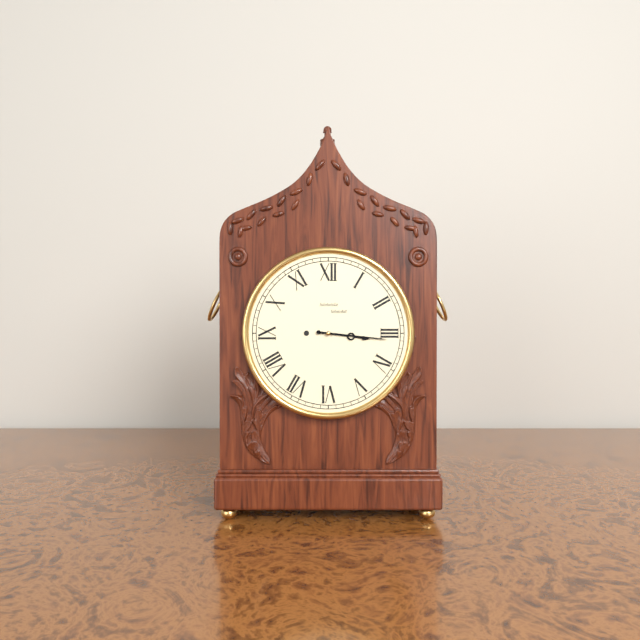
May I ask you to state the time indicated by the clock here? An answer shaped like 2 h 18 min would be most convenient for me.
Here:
3 h 16 min
